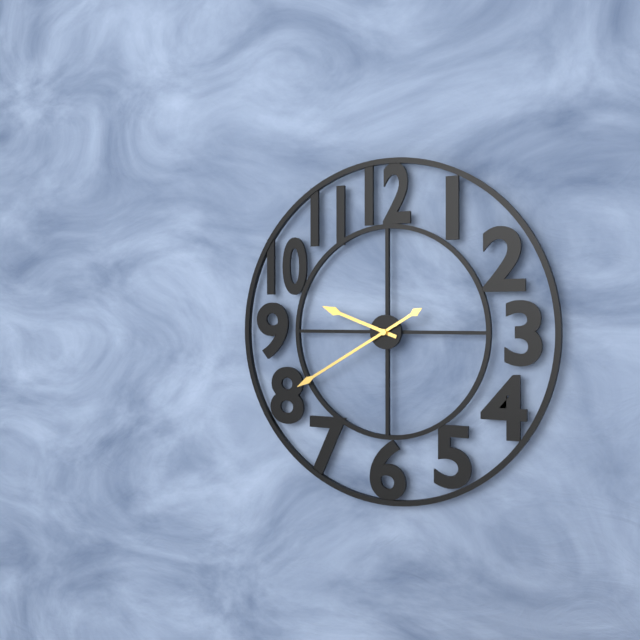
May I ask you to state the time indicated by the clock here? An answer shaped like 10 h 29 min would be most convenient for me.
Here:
9 h 40 min
